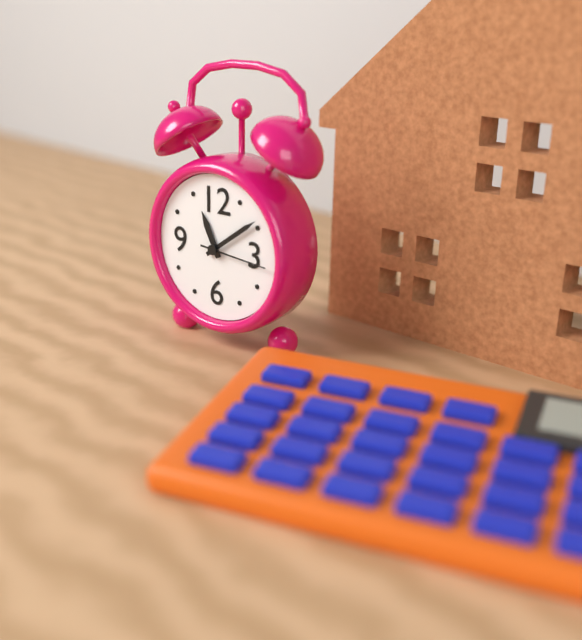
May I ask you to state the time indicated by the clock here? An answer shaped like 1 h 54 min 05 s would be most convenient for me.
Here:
11 h 09 min 16 s
